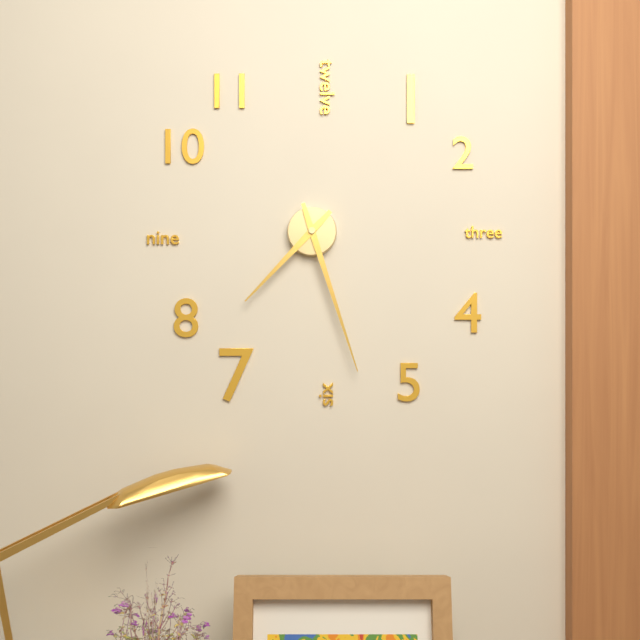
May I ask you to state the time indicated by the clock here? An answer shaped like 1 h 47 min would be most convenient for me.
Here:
7 h 27 min
